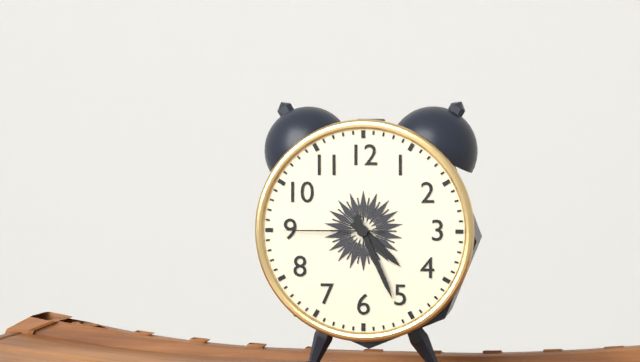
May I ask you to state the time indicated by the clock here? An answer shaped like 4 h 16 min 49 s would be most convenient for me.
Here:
4 h 26 min 45 s
